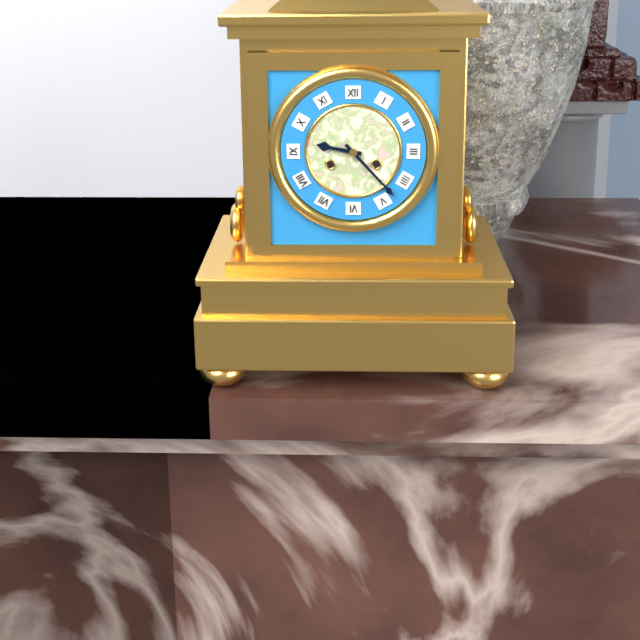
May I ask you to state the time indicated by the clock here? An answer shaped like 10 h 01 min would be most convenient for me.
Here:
9 h 23 min
